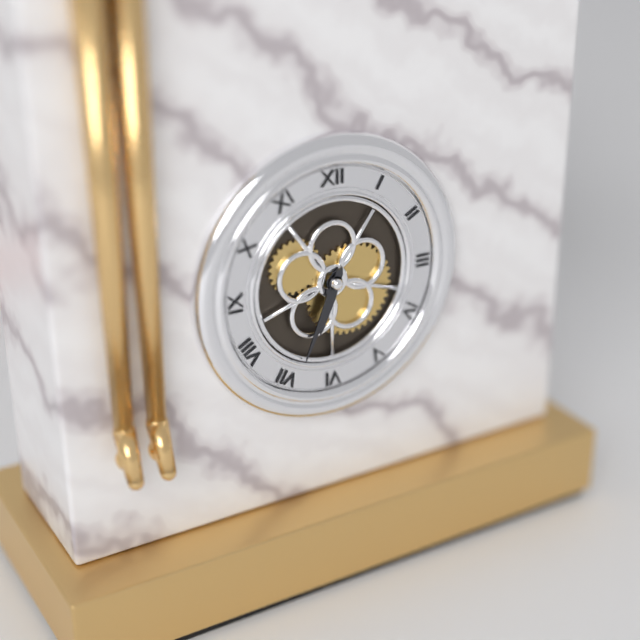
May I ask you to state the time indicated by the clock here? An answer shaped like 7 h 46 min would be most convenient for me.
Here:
6 h 34 min
